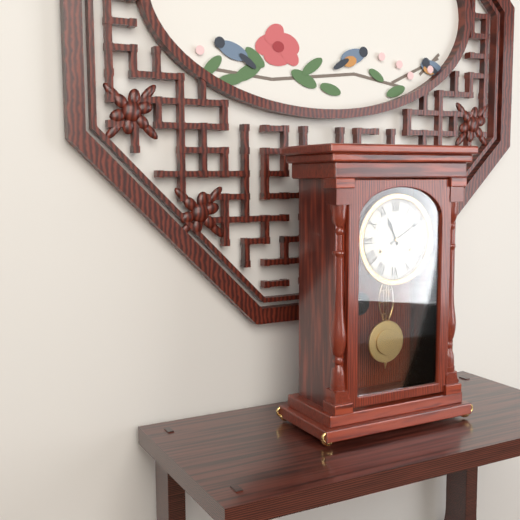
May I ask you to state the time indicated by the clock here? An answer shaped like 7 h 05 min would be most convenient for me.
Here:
11 h 10 min
